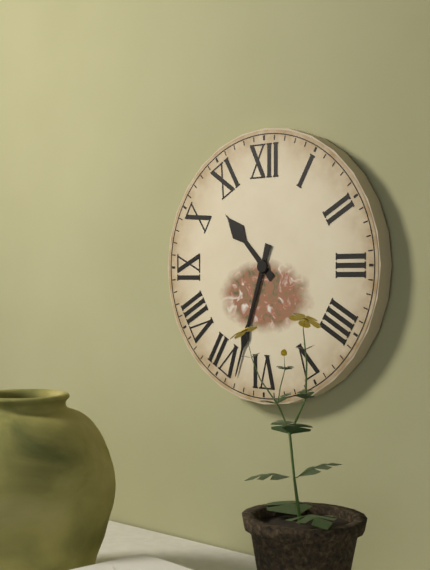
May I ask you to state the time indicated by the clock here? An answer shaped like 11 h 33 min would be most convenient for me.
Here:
10 h 33 min
